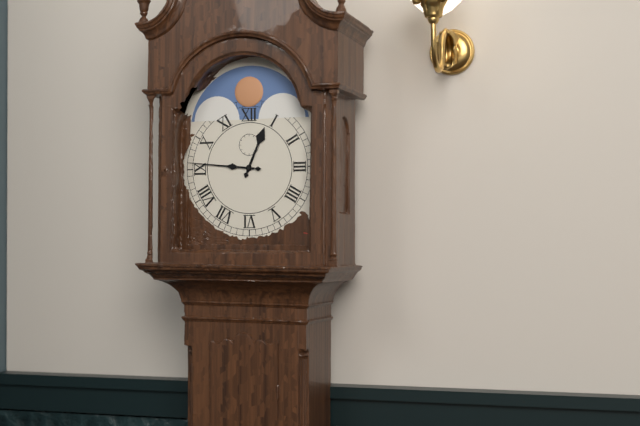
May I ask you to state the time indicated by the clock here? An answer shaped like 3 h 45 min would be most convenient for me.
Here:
12 h 46 min
